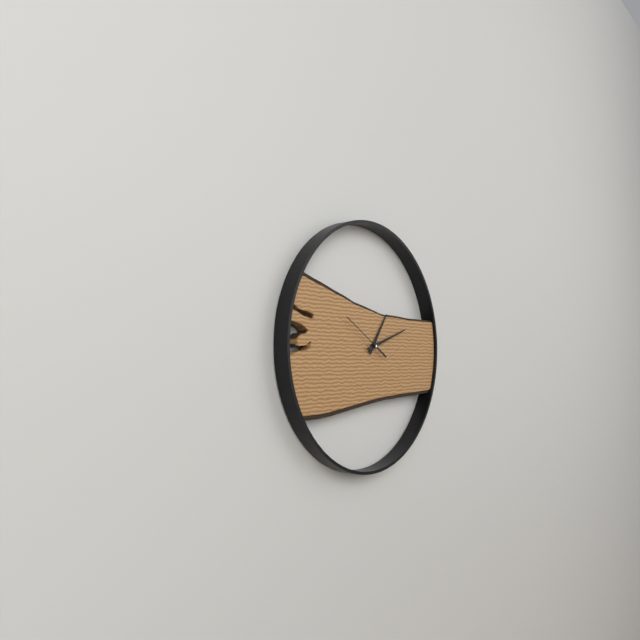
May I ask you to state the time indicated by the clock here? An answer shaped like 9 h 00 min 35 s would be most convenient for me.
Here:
1 h 12 min 50 s
